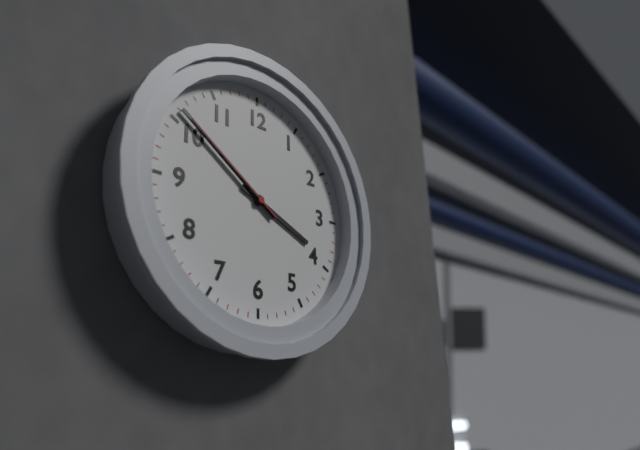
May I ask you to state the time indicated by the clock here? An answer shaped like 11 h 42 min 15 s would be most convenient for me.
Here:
3 h 51 min 51 s
